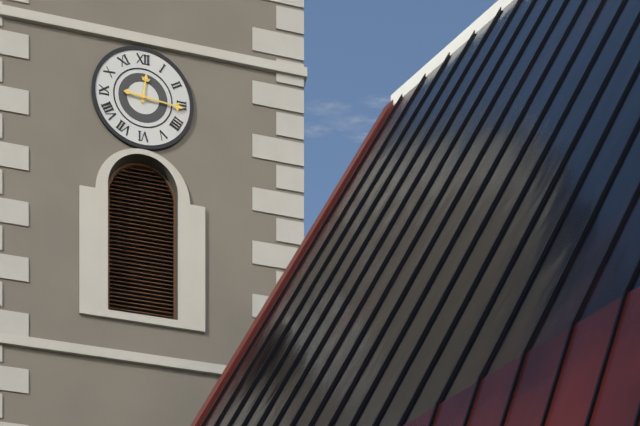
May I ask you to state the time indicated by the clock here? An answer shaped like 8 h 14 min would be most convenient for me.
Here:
12 h 16 min
